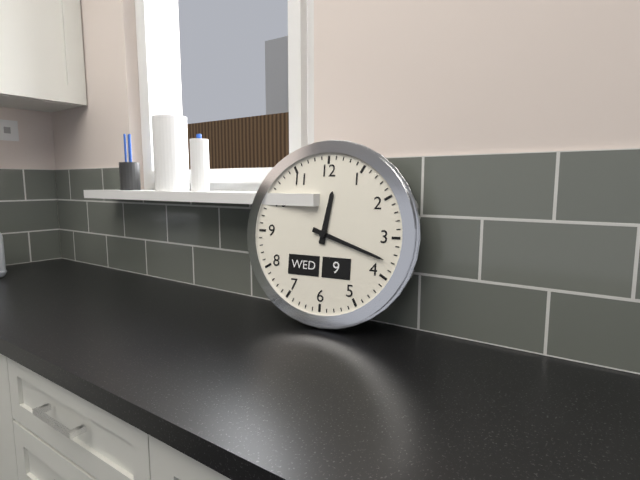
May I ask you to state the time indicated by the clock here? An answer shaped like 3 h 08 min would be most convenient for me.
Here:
12 h 18 min
